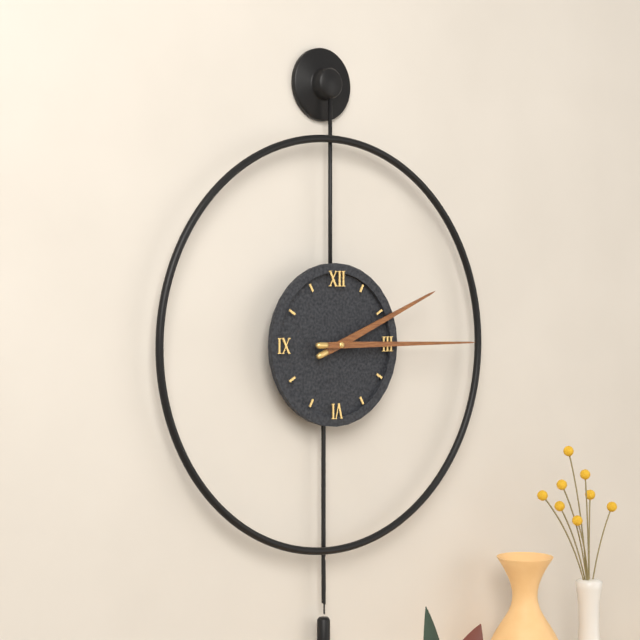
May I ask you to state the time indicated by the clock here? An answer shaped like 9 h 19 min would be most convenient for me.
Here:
2 h 15 min
